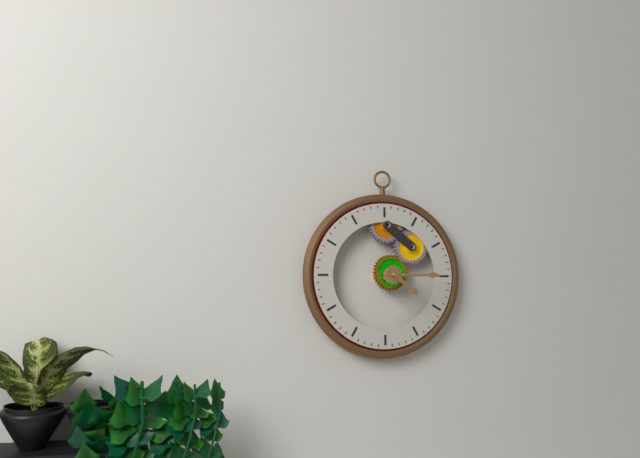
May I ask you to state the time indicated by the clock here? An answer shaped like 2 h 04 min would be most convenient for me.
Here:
4 h 15 min
